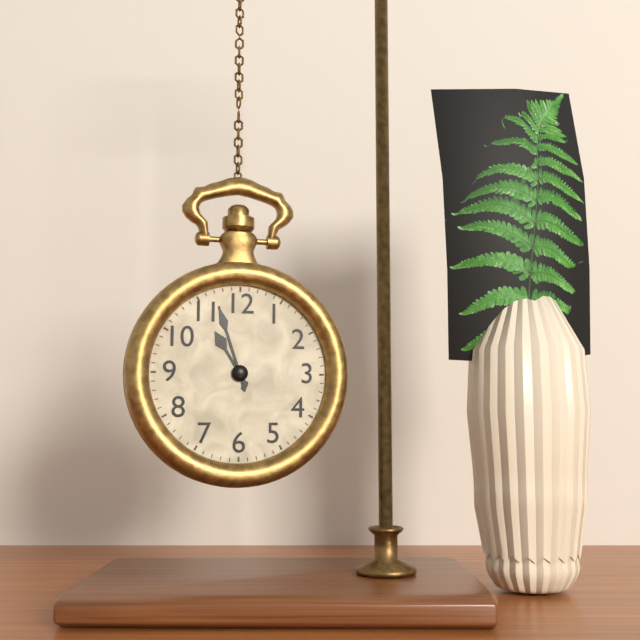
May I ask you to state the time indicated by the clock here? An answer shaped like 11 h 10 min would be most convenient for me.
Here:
10 h 57 min
